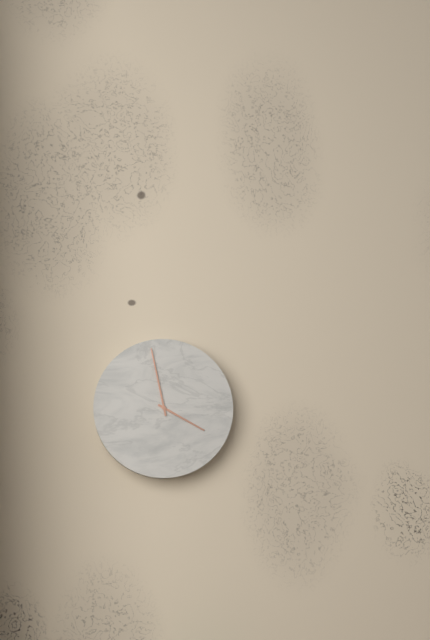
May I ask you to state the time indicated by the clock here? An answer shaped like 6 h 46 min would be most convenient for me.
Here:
3 h 58 min
